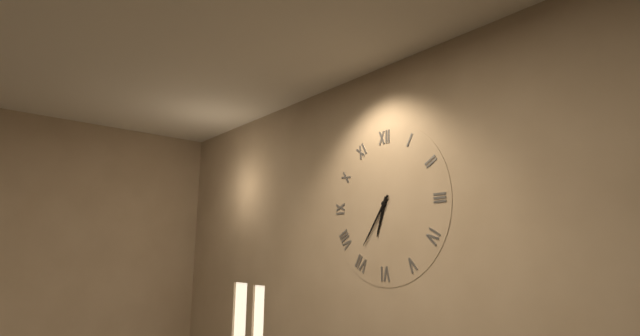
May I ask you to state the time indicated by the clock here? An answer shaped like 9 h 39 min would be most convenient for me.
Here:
6 h 36 min
